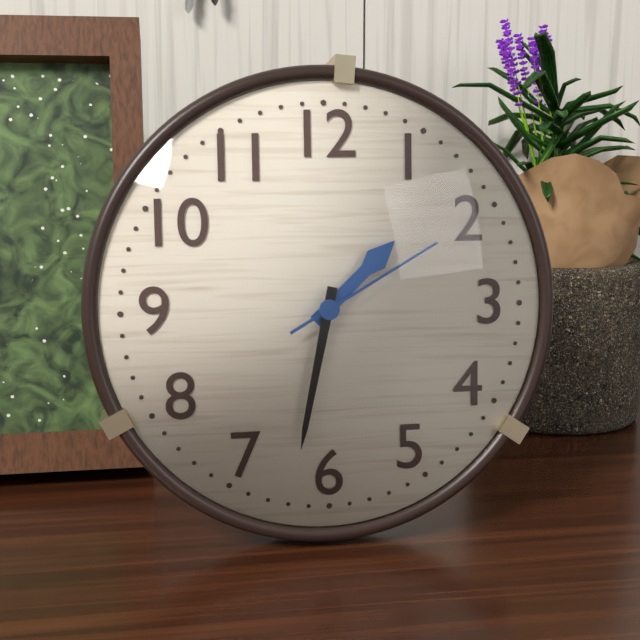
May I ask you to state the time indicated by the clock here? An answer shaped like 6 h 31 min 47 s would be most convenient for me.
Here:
1 h 32 min 10 s
